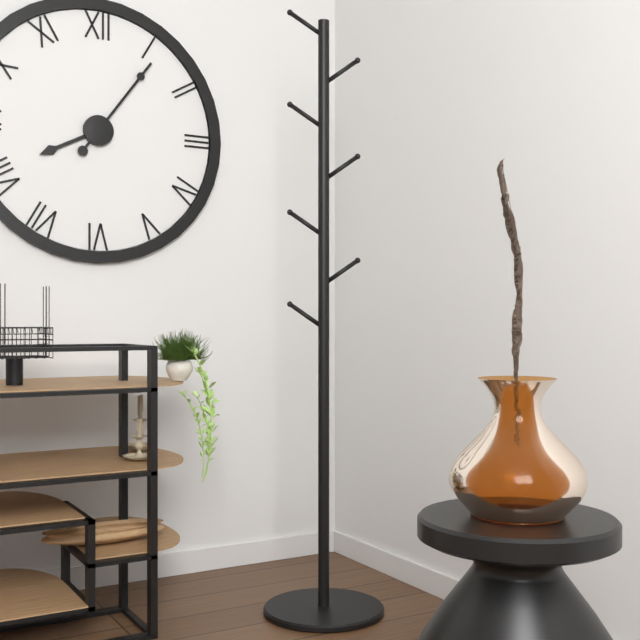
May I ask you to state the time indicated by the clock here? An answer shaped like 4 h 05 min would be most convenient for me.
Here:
8 h 06 min
